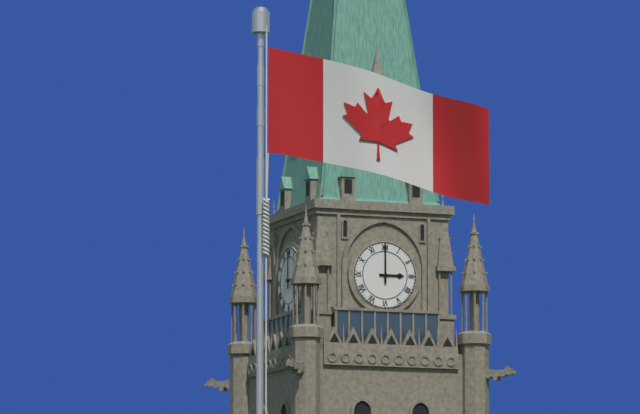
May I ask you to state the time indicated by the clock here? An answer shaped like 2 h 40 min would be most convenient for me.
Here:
3 h 00 min
